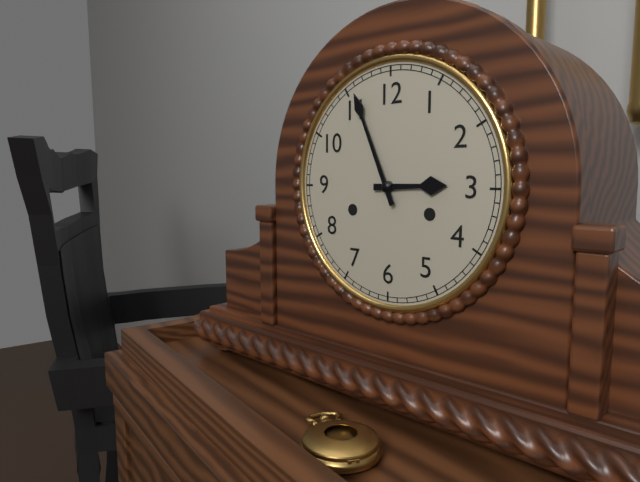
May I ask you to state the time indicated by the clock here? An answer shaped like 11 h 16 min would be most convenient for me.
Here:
2 h 56 min
